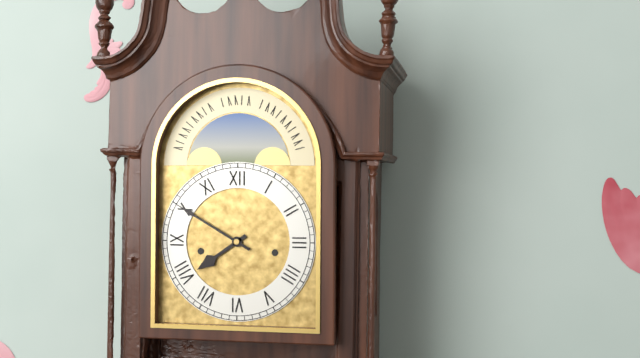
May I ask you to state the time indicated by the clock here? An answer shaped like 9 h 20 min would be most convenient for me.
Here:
7 h 50 min
